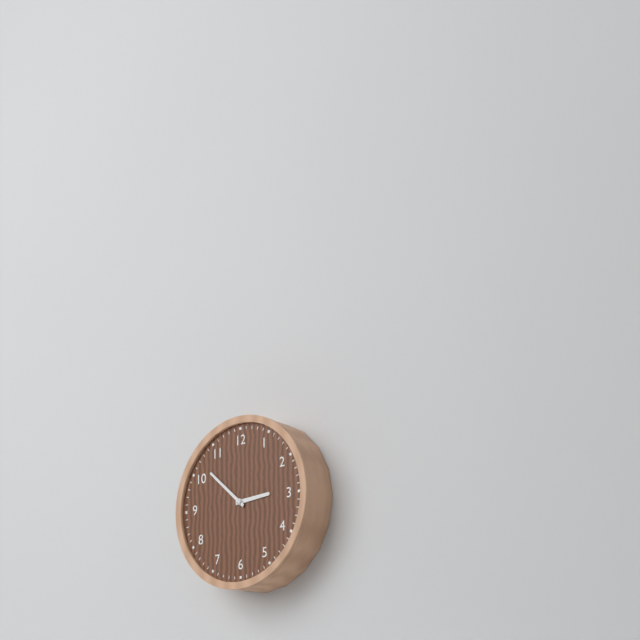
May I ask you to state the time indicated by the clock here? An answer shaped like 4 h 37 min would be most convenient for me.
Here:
2 h 52 min
